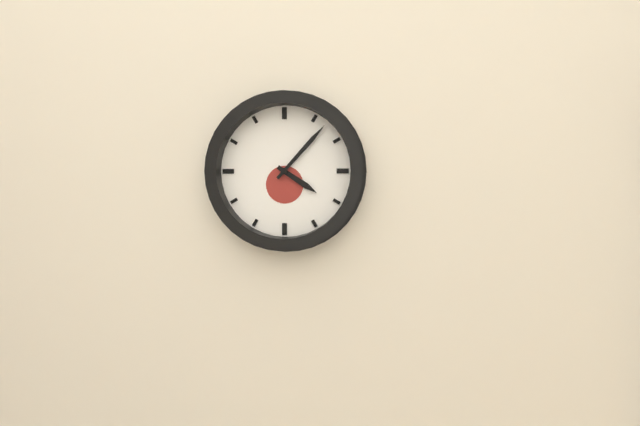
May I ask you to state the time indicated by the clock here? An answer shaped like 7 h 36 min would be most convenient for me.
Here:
4 h 07 min
